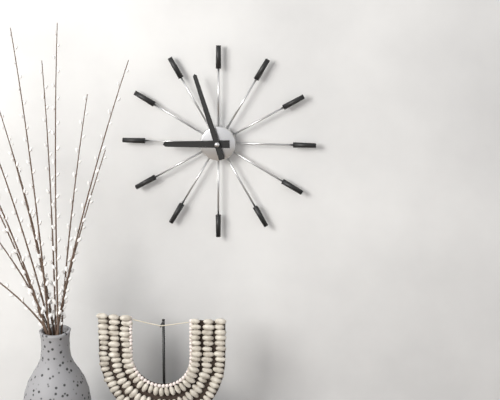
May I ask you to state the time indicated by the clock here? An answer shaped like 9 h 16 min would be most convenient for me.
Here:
8 h 57 min
